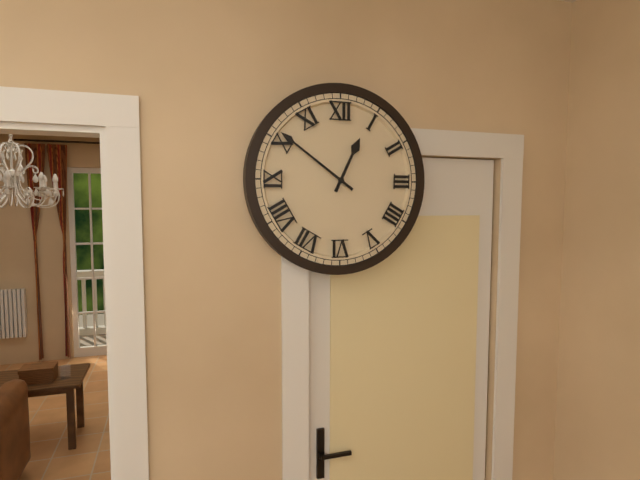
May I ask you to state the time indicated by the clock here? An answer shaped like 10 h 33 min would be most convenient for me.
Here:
12 h 51 min
